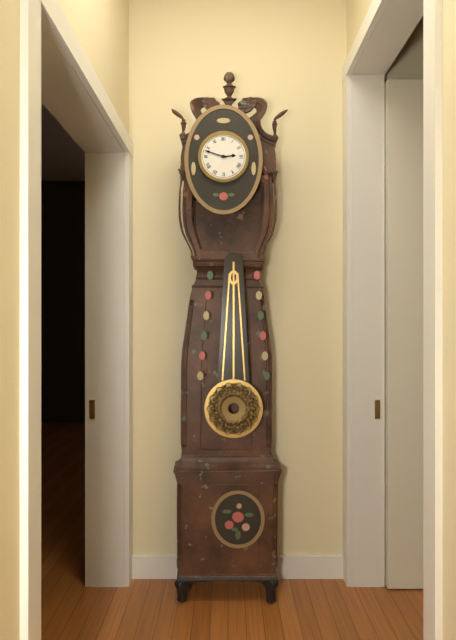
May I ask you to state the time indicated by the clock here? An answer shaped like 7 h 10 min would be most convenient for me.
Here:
2 h 48 min
